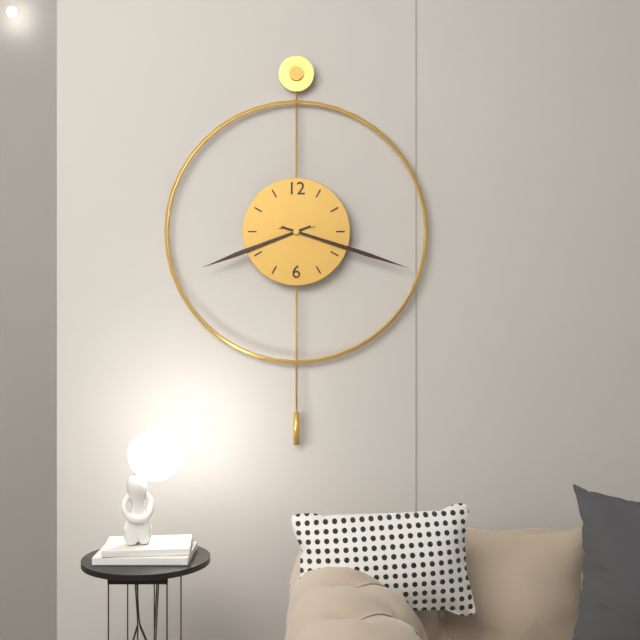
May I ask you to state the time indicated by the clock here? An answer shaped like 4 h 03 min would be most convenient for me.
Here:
8 h 18 min
